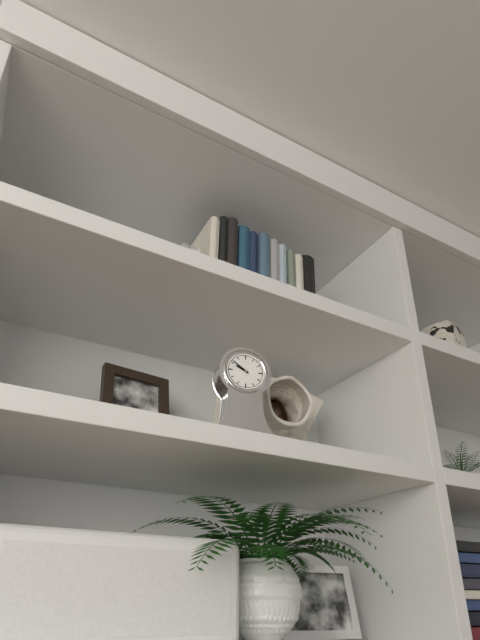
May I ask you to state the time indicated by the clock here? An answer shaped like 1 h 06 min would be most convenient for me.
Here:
9 h 51 min
